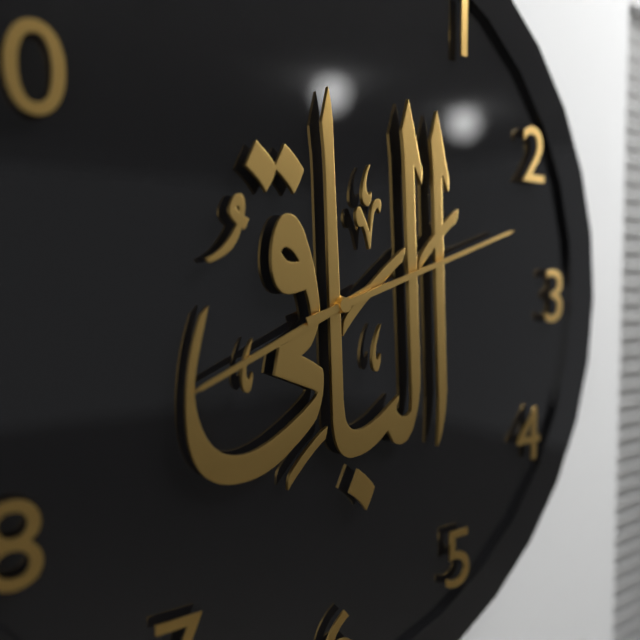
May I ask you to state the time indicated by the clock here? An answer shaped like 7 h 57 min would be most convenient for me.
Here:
8 h 12 min
